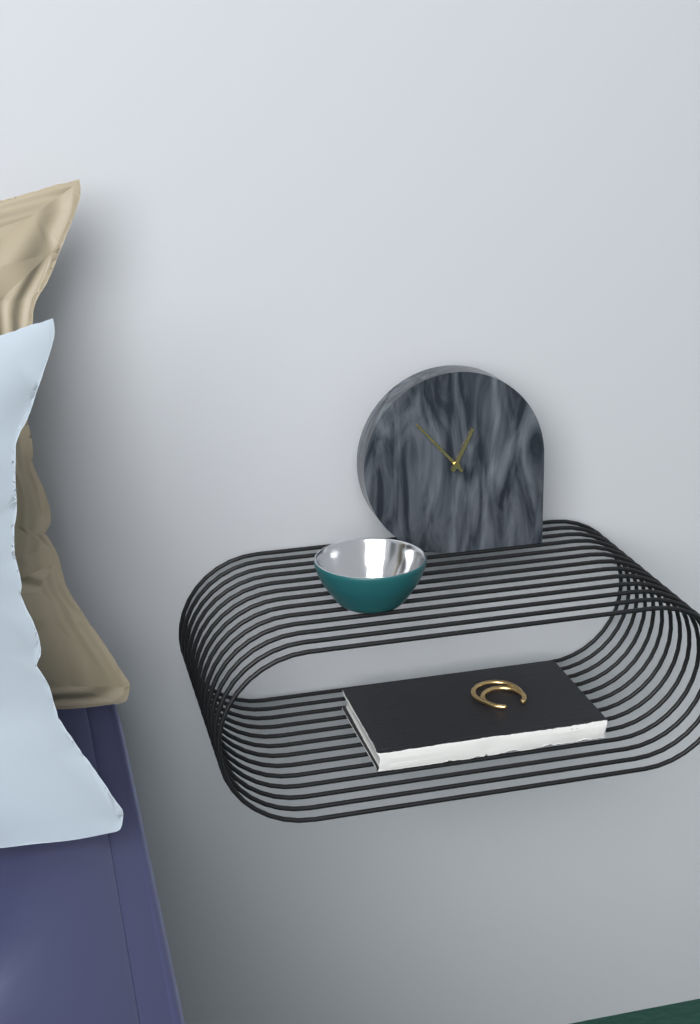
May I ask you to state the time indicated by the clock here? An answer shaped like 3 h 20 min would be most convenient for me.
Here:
12 h 53 min
